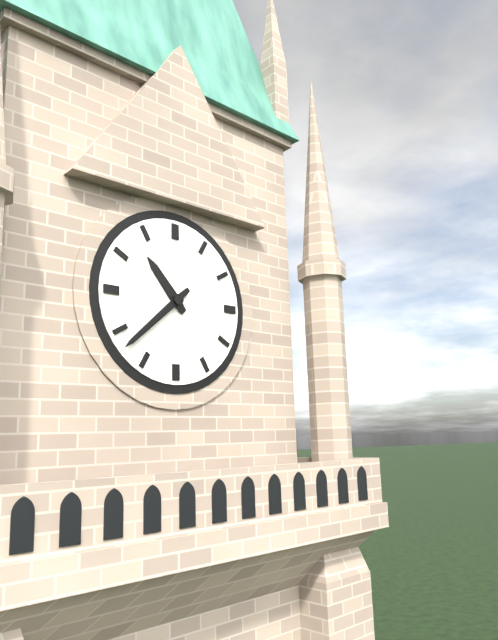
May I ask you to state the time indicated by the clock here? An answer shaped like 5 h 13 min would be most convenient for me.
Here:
10 h 38 min
